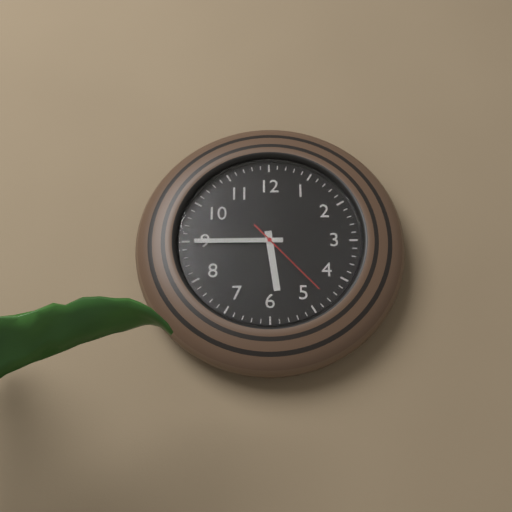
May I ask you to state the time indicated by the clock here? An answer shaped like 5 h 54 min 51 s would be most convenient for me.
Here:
5 h 45 min 23 s
